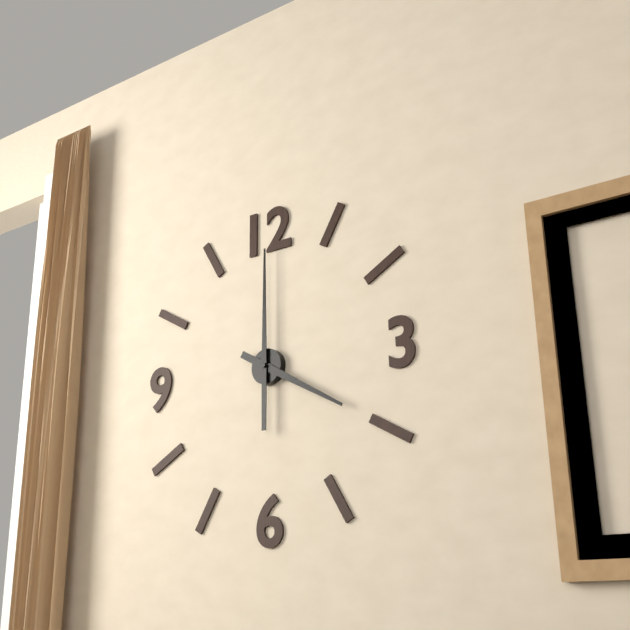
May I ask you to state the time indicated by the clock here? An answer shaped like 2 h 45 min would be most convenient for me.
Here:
4 h 00 min
